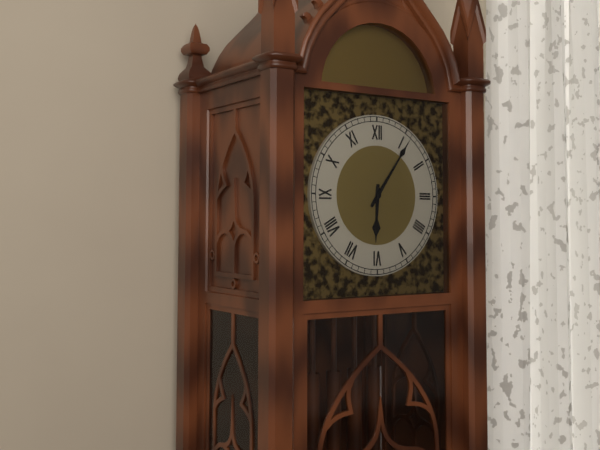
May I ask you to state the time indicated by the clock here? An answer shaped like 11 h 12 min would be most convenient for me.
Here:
6 h 06 min
